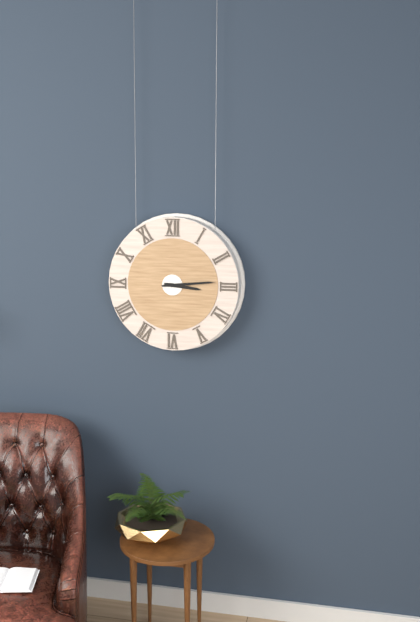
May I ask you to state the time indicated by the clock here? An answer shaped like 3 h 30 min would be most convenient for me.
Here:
3 h 14 min
